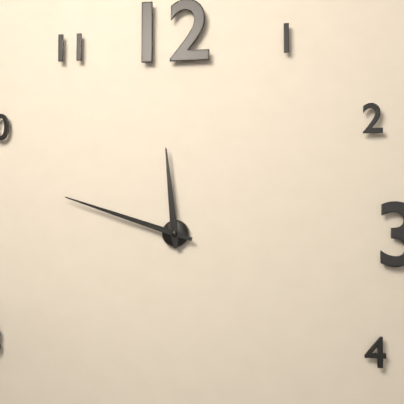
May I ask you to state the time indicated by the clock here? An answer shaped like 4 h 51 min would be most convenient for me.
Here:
11 h 48 min
